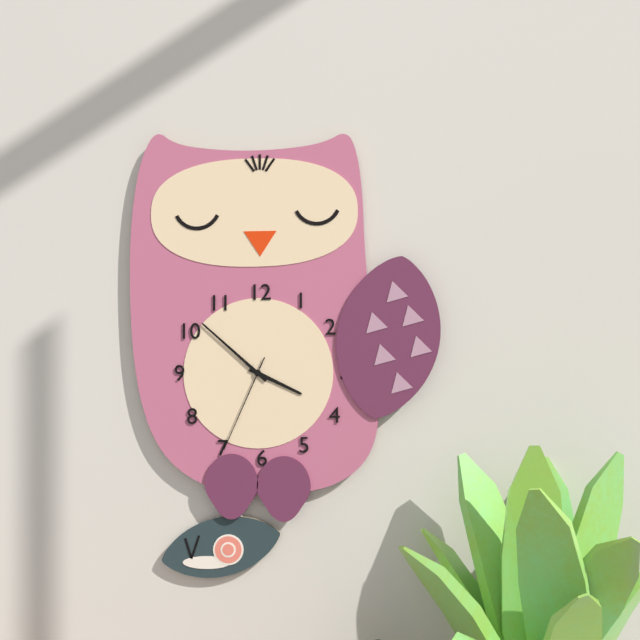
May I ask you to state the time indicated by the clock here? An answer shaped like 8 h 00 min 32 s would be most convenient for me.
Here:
3 h 52 min 34 s
